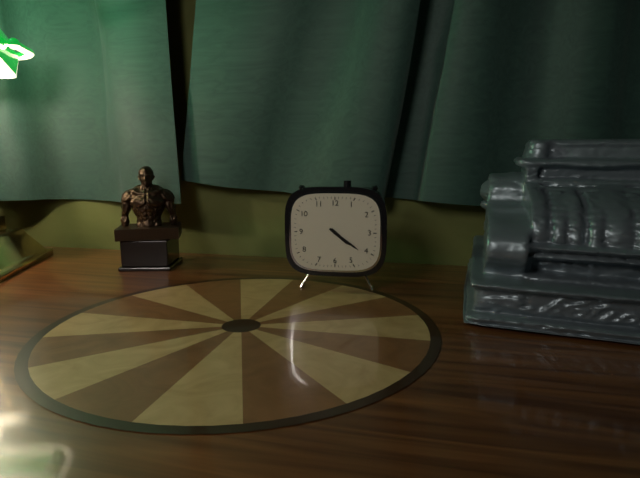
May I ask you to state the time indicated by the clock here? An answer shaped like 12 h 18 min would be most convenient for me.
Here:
4 h 21 min
